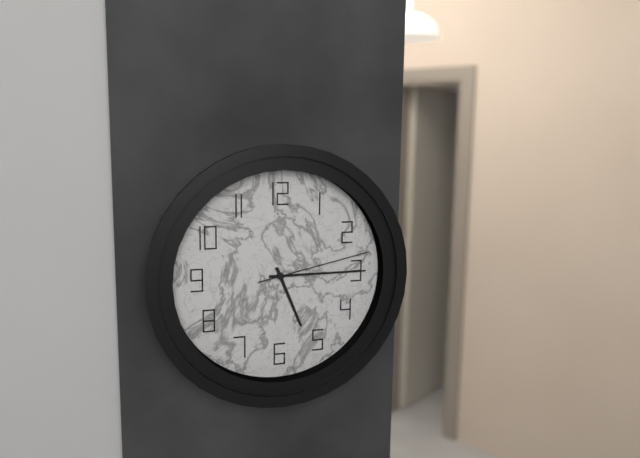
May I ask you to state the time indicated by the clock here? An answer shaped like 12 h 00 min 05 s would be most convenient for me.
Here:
5 h 15 min 13 s
